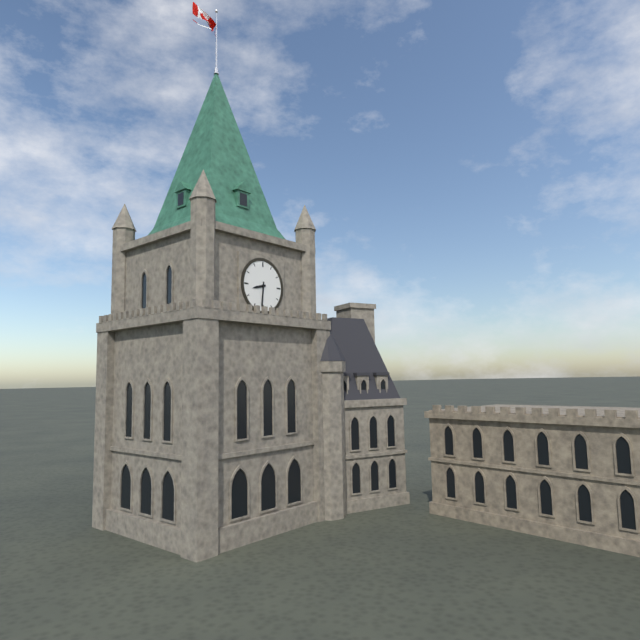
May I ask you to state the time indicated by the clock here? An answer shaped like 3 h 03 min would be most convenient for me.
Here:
8 h 31 min
